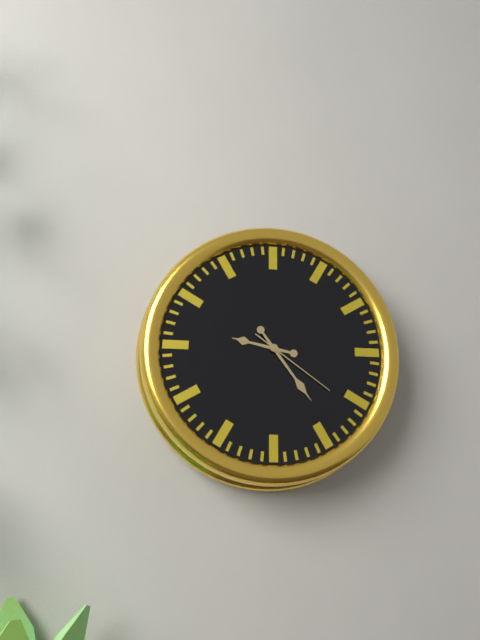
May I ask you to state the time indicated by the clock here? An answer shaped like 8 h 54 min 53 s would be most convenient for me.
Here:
9 h 24 min 21 s
